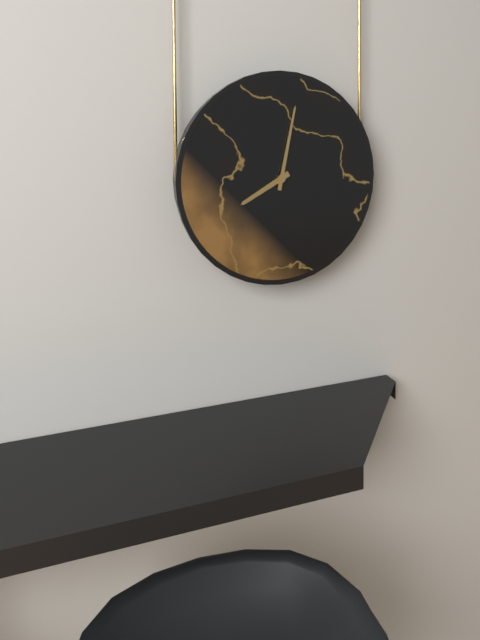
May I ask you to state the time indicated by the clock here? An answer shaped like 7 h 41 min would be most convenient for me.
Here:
8 h 02 min
